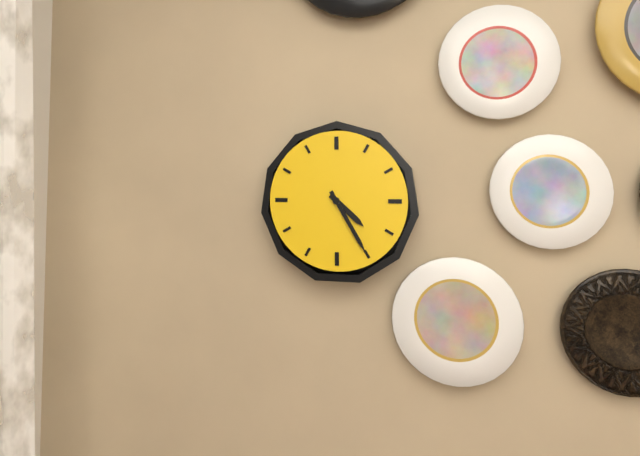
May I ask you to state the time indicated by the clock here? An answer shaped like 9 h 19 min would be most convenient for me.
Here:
4 h 25 min
